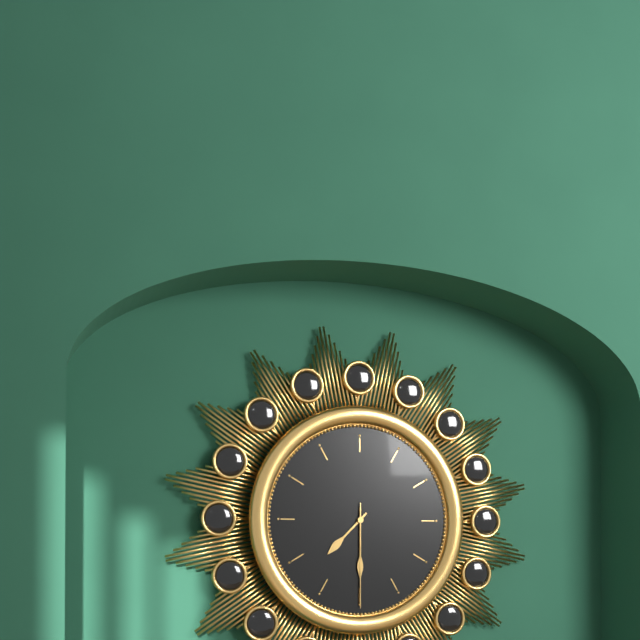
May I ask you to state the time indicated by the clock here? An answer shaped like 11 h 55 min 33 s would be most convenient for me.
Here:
7 h 30 min 30 s
